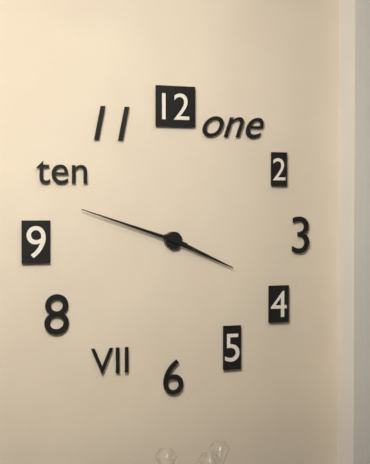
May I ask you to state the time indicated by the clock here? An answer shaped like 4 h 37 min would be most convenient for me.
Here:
3 h 48 min
